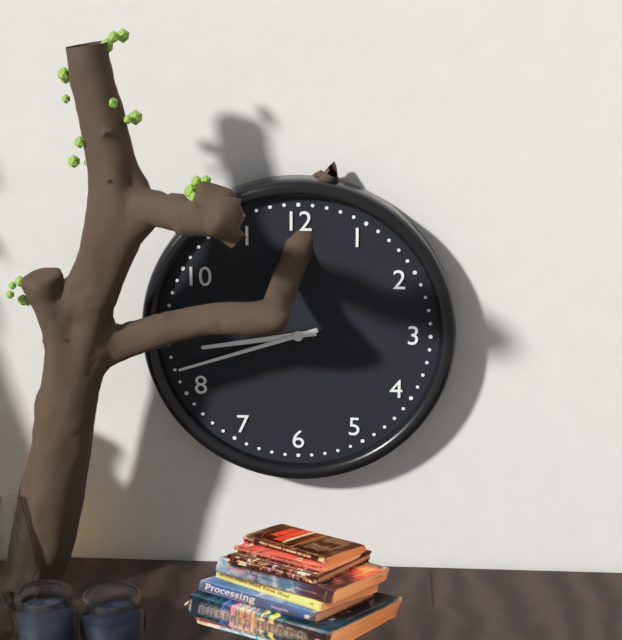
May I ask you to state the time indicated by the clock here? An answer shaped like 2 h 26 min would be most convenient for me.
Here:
8 h 42 min
